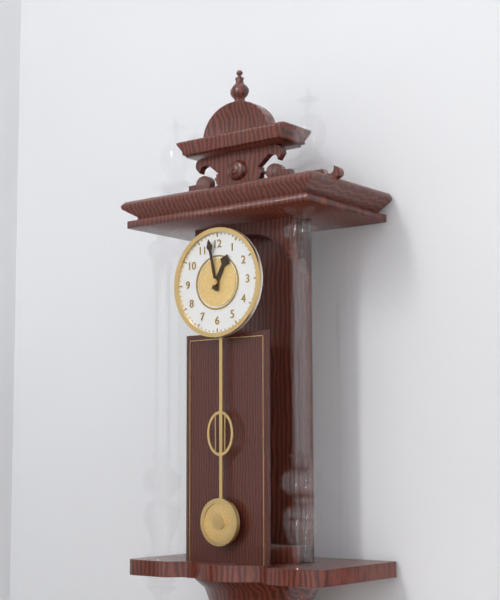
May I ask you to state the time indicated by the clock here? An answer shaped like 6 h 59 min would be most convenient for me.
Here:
12 h 58 min
